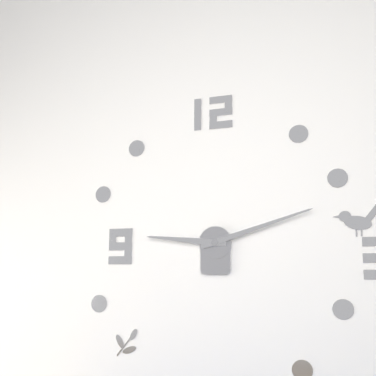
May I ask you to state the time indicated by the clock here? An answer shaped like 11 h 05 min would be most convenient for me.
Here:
9 h 12 min
